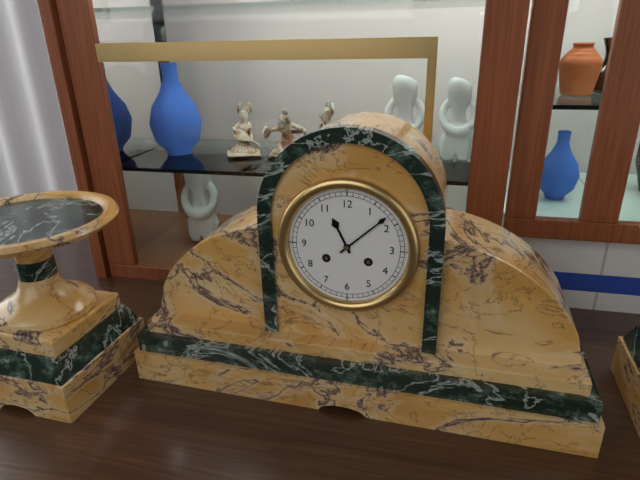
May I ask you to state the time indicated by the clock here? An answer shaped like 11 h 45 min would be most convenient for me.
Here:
11 h 08 min
